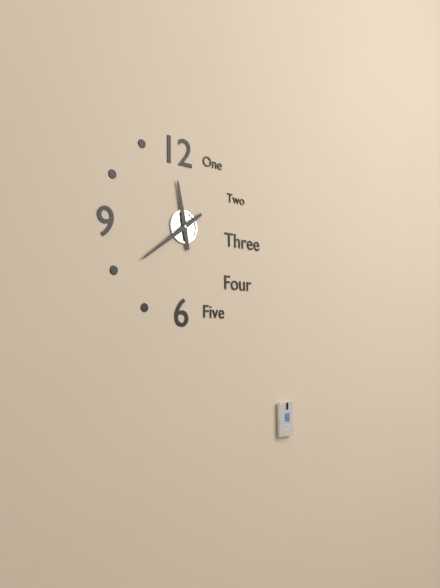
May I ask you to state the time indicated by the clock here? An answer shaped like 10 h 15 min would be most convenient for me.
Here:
11 h 39 min
